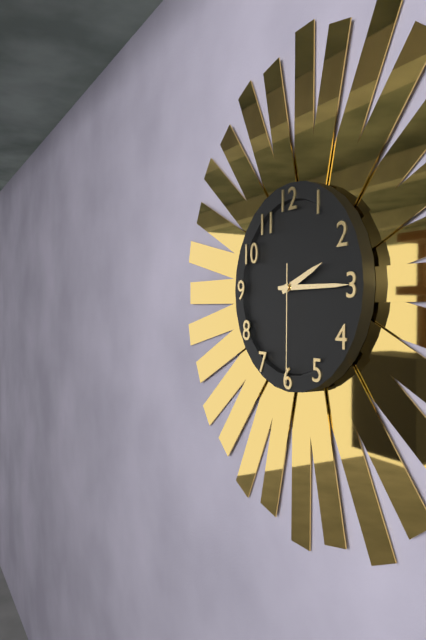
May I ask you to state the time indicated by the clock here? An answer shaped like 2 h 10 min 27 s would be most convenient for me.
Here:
2 h 15 min 30 s
